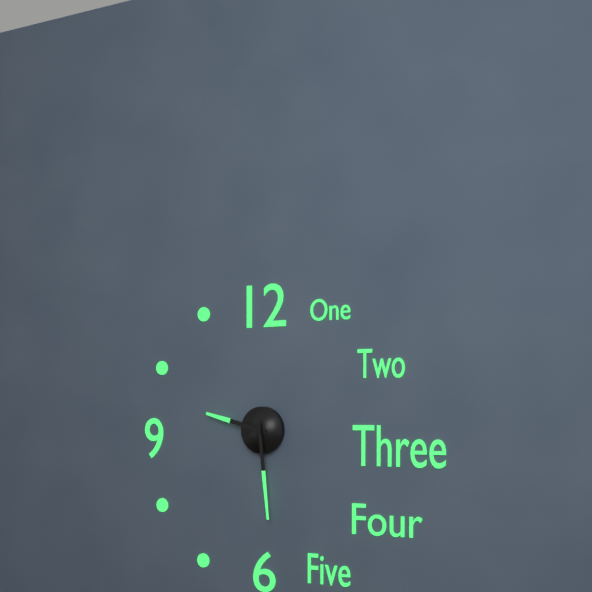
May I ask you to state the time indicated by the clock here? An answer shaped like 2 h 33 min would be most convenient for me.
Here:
9 h 29 min
